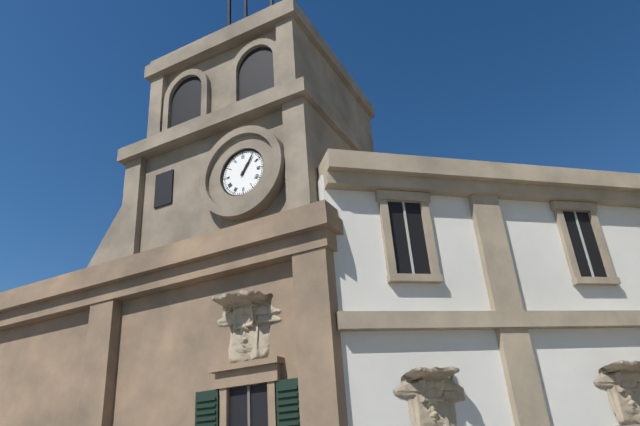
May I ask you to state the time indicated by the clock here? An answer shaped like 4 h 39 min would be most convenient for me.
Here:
1 h 06 min
